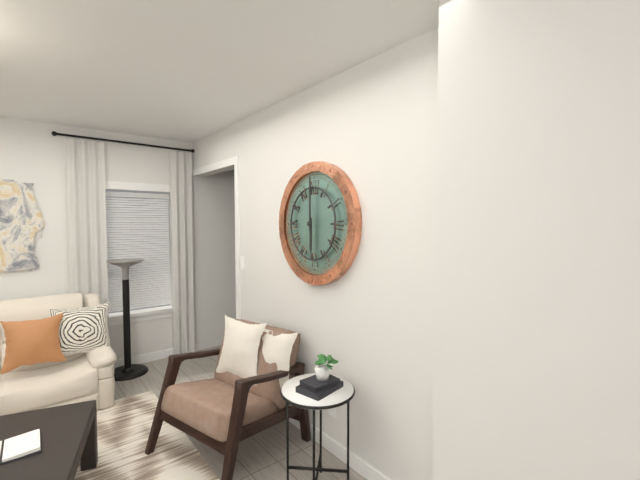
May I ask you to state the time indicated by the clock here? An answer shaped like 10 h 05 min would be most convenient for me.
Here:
6 h 00 min
